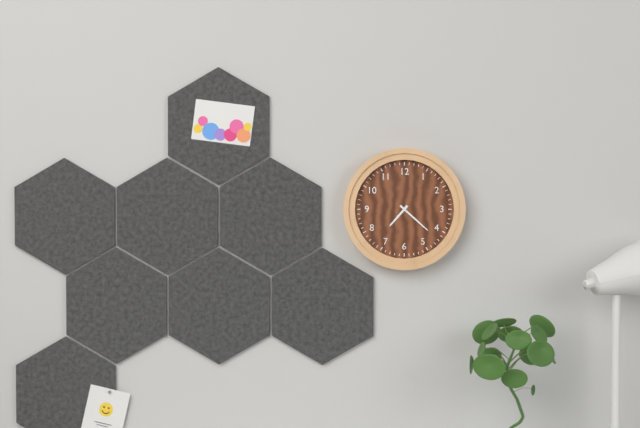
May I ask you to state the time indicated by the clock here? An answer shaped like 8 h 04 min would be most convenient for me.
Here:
7 h 22 min
